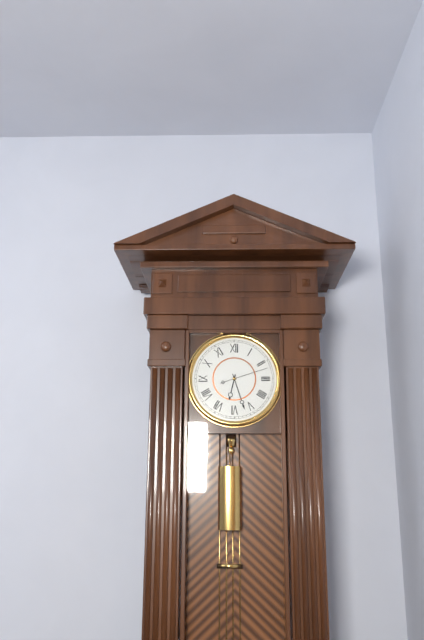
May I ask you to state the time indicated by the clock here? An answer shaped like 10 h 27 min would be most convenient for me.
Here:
6 h 27 min
